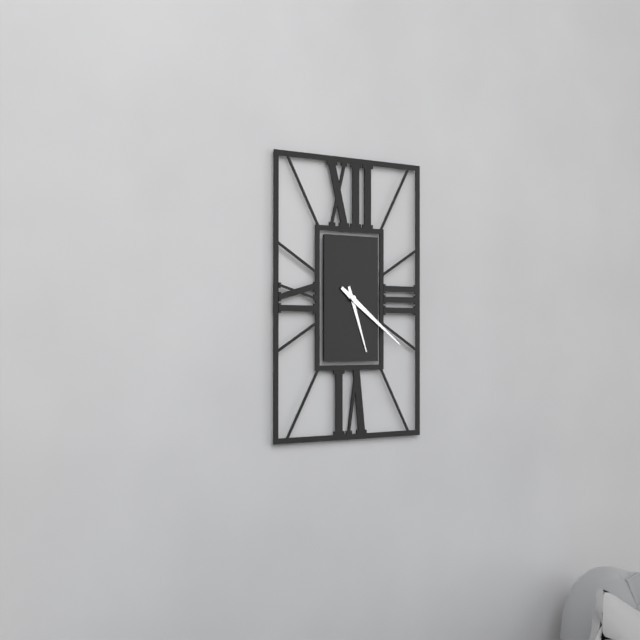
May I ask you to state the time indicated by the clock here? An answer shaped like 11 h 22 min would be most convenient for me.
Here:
5 h 21 min
